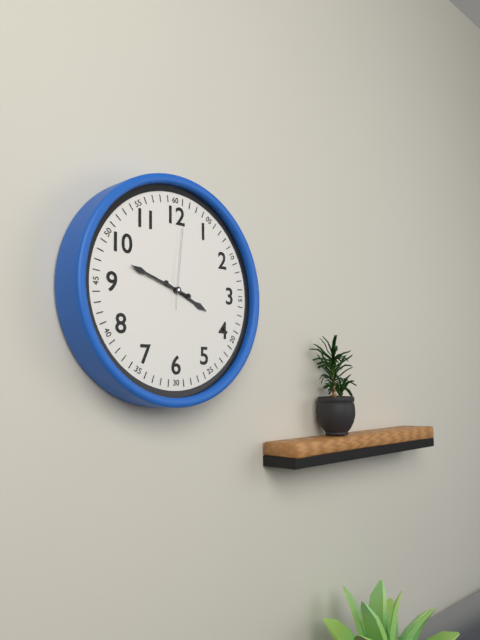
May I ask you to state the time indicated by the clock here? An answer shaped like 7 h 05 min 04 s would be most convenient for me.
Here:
3 h 48 min 01 s
